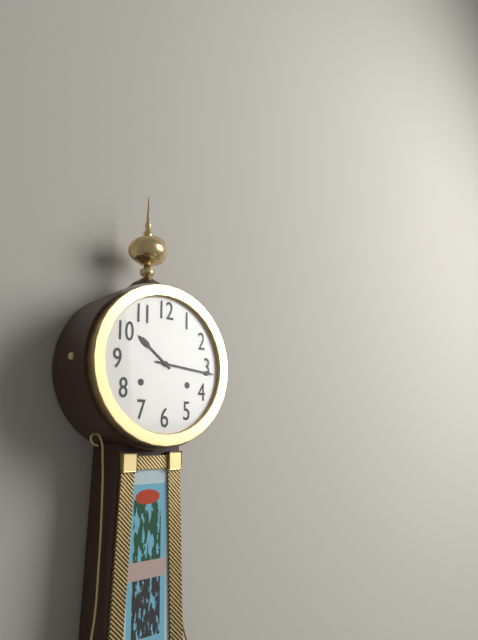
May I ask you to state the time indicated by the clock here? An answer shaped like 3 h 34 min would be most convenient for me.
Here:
10 h 16 min
